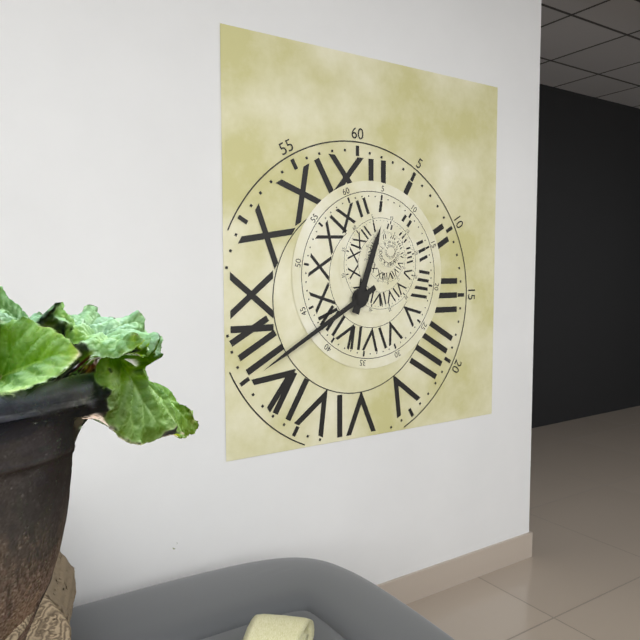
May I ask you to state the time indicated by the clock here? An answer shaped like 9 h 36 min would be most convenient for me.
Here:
12 h 40 min
